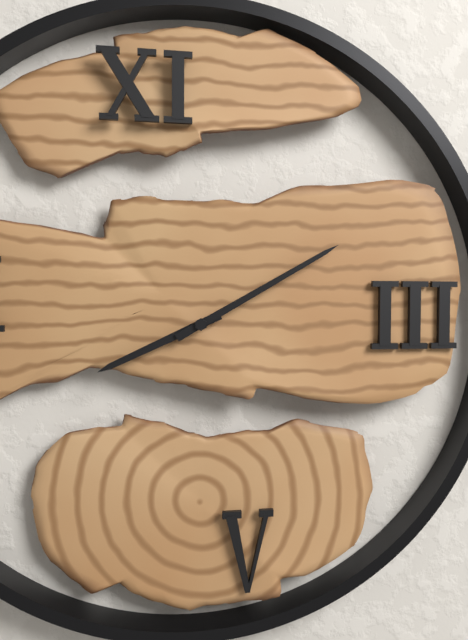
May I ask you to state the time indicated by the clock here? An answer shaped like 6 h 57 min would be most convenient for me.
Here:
8 h 10 min
